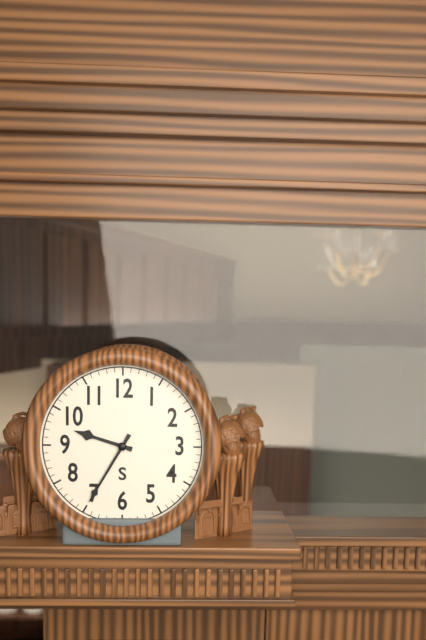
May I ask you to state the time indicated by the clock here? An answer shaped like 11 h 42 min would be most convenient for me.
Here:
9 h 35 min
